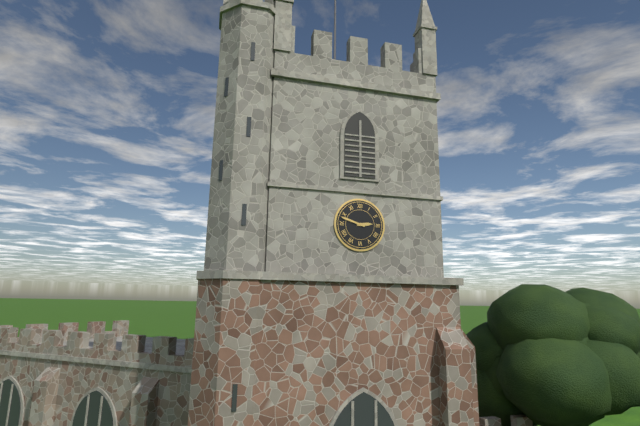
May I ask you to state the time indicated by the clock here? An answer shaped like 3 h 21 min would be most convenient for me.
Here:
2 h 48 min
